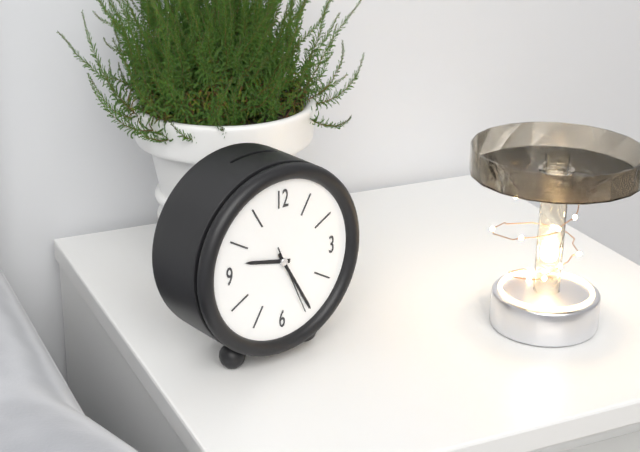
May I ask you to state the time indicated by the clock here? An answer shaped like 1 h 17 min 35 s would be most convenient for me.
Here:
9 h 25 min 26 s
